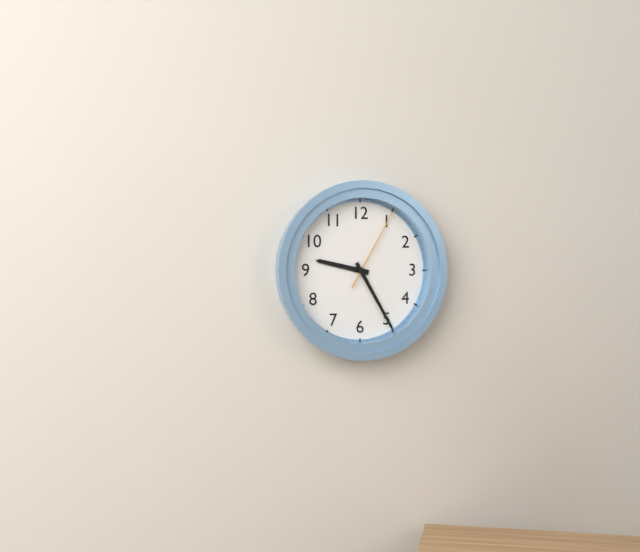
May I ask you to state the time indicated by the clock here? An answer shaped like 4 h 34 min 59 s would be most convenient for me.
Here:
9 h 25 min 05 s
